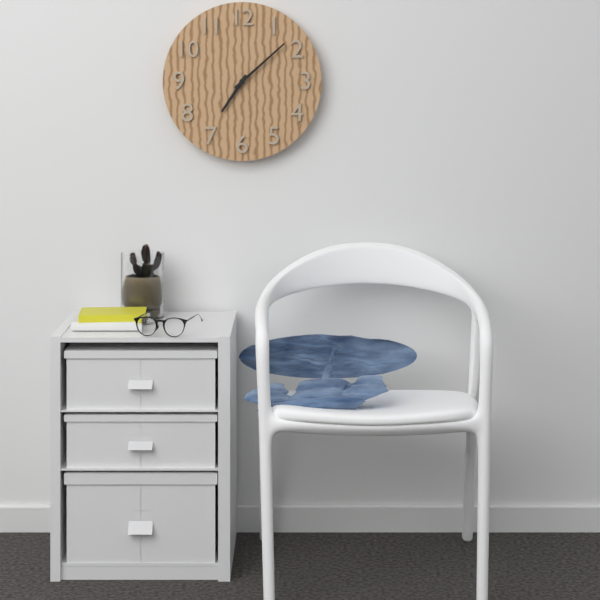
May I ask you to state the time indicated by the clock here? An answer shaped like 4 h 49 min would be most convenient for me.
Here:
7 h 08 min
